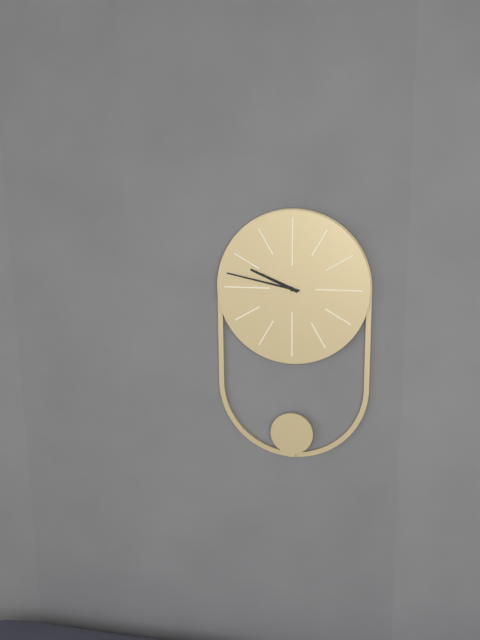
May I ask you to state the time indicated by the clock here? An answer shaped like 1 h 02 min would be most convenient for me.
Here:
9 h 47 min
